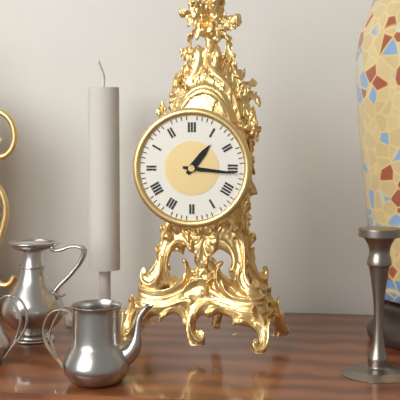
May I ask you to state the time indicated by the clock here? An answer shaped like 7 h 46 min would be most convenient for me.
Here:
1 h 16 min
